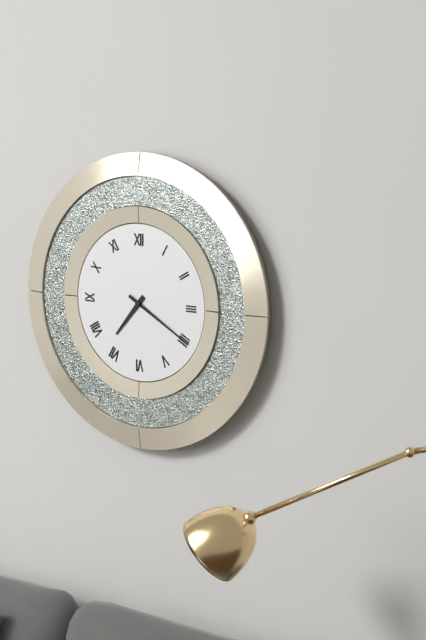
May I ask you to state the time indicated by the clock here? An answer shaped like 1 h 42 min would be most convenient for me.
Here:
7 h 20 min
